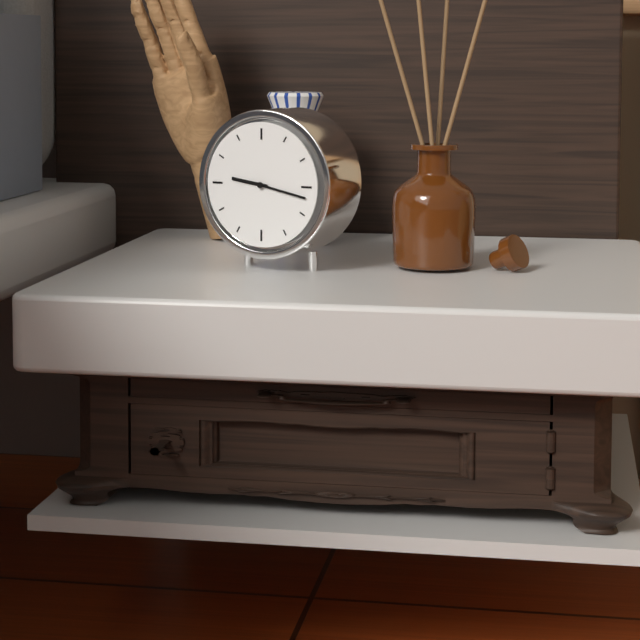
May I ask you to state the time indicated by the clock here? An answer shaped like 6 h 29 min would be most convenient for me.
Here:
9 h 17 min
